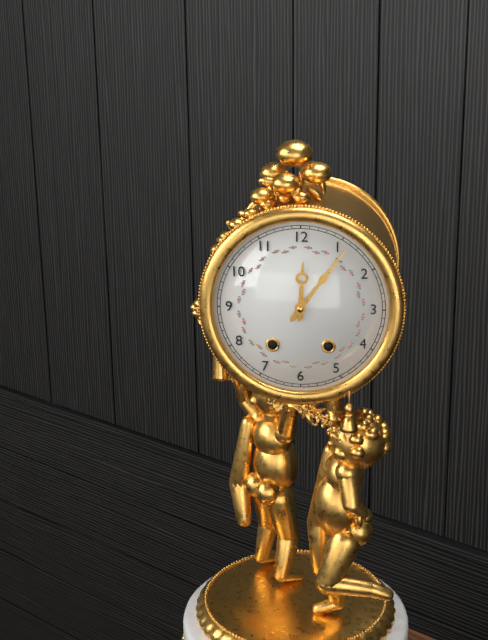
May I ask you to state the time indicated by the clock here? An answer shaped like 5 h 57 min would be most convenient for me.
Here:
12 h 06 min
